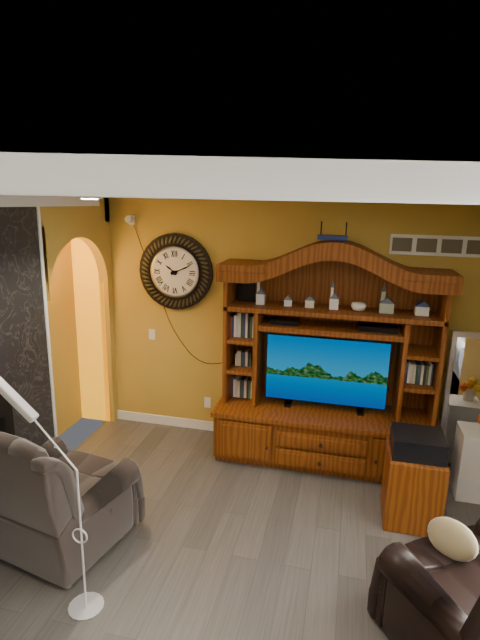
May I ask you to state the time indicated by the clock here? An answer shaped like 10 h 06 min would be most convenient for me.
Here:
10 h 11 min
